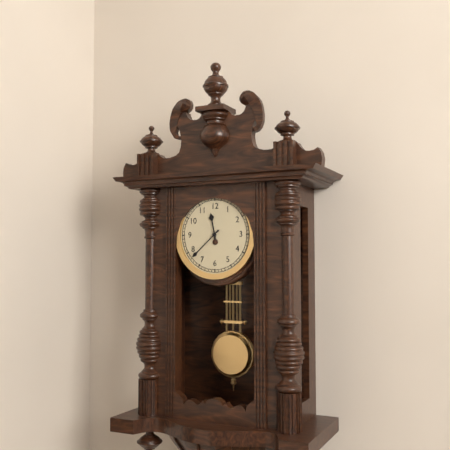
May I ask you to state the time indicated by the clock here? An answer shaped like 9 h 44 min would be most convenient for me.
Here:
11 h 38 min
